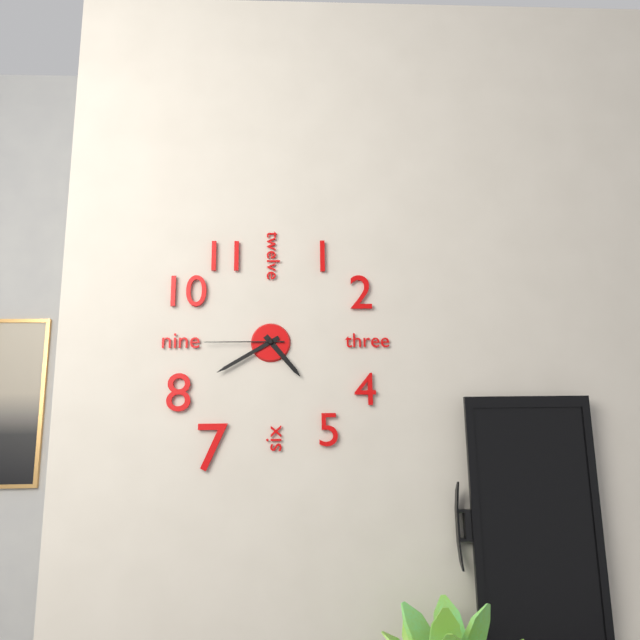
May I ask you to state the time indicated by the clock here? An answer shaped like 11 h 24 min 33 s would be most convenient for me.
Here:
4 h 40 min 45 s
